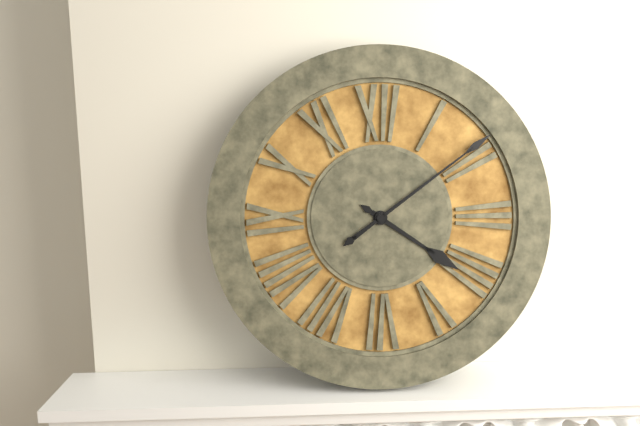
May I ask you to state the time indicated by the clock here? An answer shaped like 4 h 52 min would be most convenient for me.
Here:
4 h 09 min
